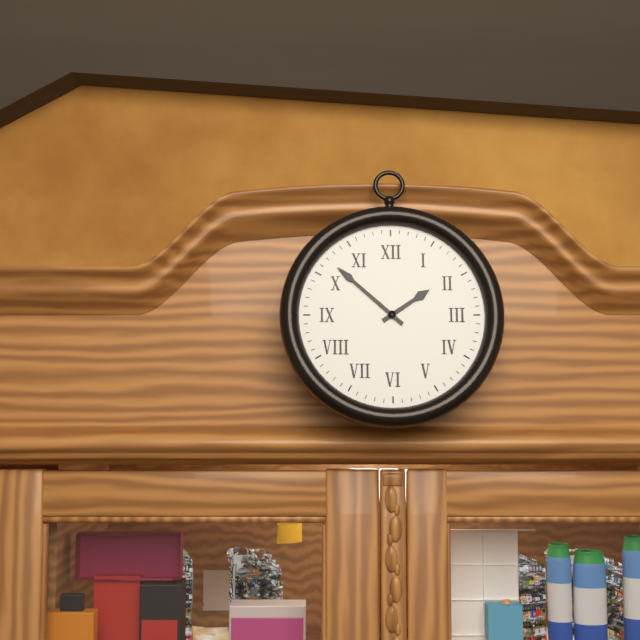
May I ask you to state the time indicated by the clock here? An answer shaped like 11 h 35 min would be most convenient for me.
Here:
1 h 52 min
